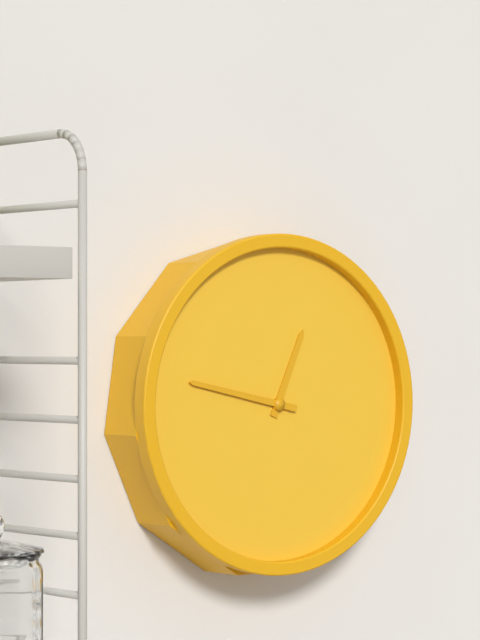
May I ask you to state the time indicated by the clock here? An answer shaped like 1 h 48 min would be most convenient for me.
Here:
12 h 47 min
